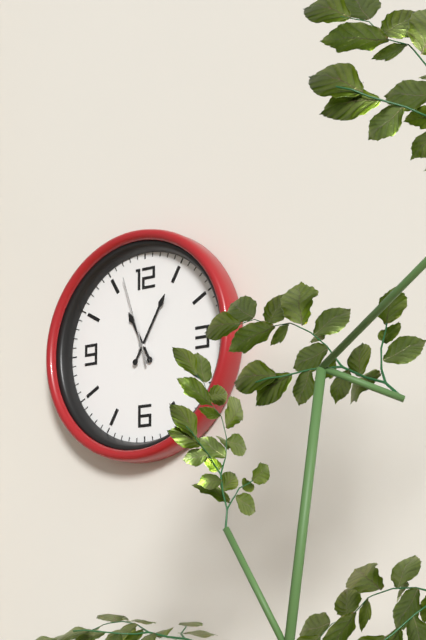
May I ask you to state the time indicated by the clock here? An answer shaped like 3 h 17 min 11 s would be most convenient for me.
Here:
11 h 05 min 57 s
